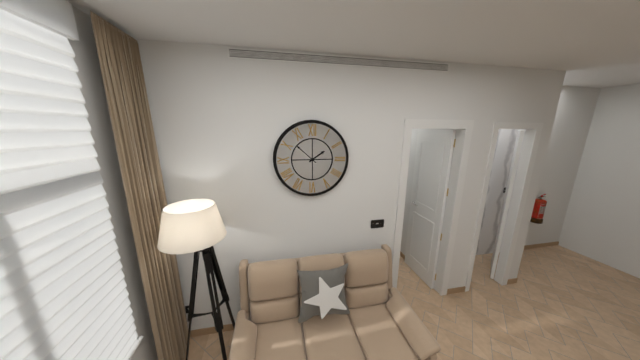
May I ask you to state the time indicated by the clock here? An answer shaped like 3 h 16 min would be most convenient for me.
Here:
1 h 52 min
